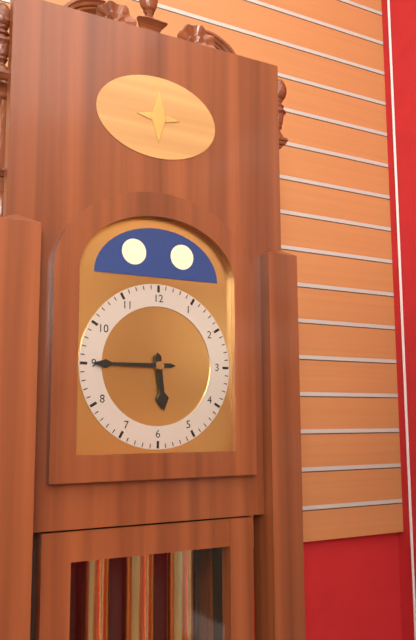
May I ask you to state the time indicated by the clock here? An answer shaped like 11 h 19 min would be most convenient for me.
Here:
5 h 45 min
